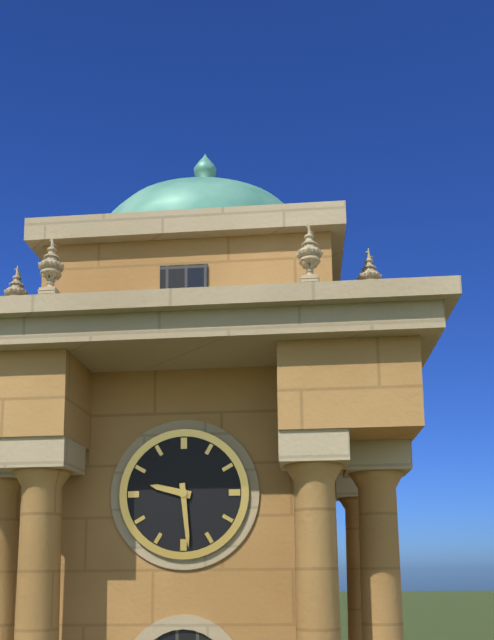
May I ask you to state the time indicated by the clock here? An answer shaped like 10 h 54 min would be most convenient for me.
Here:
9 h 29 min
